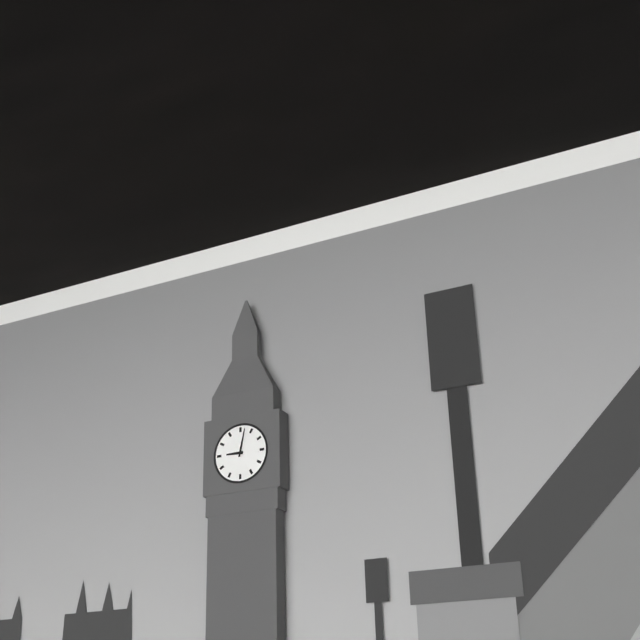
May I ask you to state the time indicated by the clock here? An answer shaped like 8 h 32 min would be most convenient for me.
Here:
9 h 02 min
